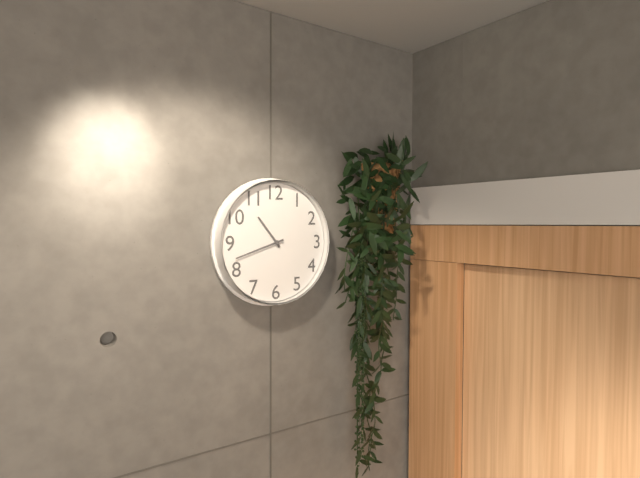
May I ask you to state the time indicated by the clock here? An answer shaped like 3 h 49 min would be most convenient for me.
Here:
10 h 42 min
